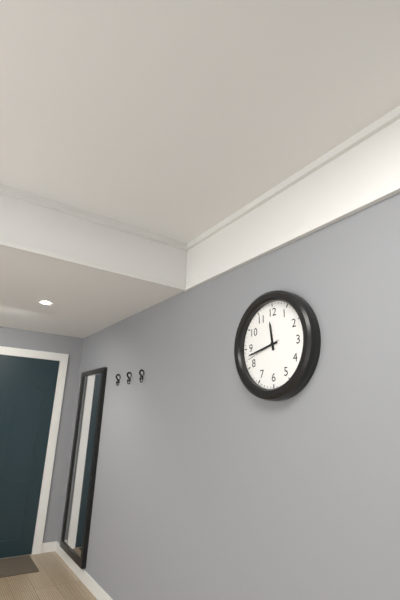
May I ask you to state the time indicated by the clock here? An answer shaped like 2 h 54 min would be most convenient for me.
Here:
11 h 43 min
